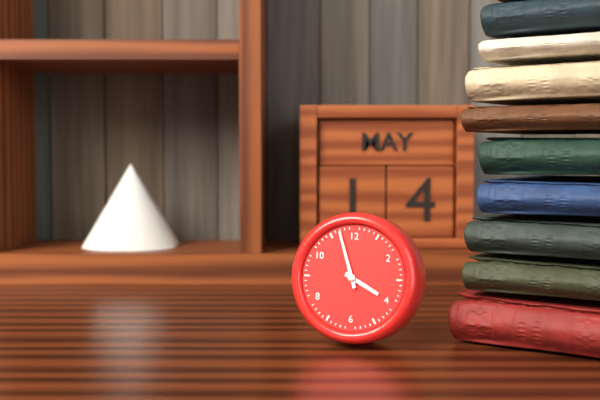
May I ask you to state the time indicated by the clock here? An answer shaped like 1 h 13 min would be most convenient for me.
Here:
3 h 57 min
